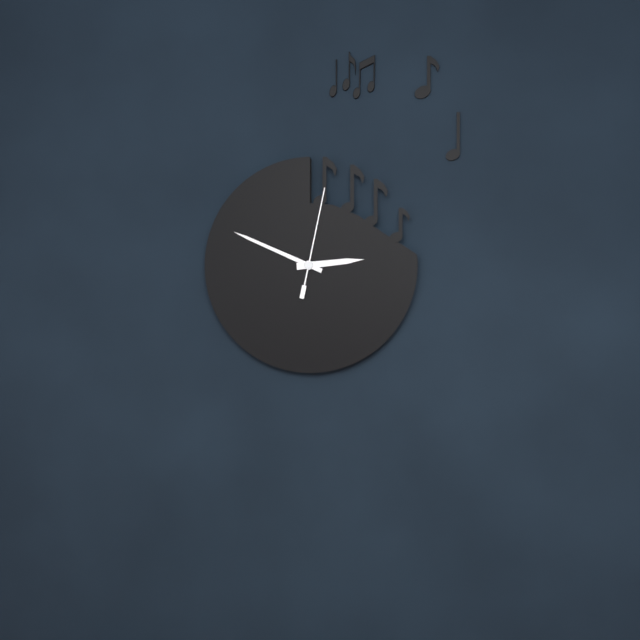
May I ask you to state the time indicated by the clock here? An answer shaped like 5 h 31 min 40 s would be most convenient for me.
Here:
2 h 49 min 02 s
